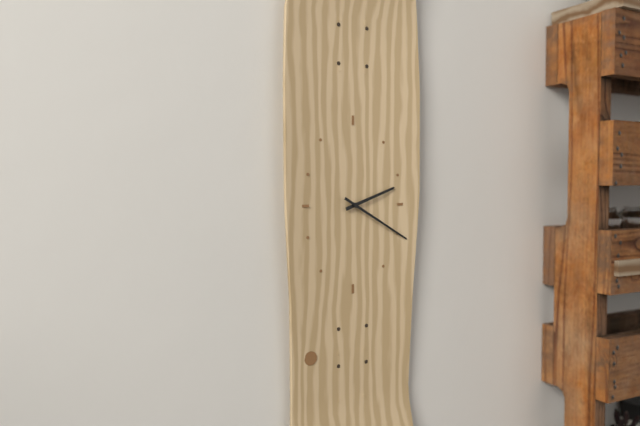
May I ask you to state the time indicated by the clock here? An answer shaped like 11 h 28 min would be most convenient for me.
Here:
2 h 20 min
